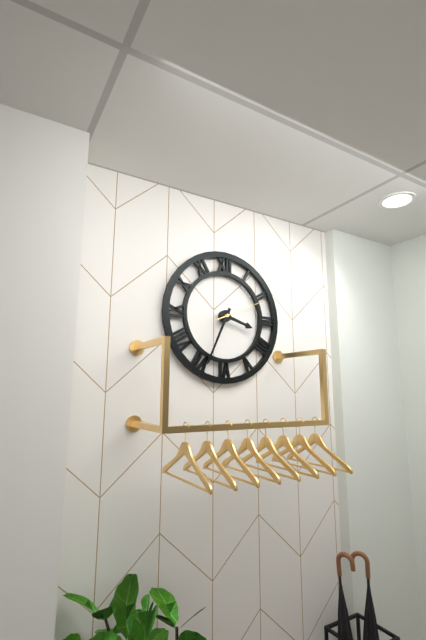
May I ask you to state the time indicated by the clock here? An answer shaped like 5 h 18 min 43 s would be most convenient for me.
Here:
3 h 34 min 11 s
